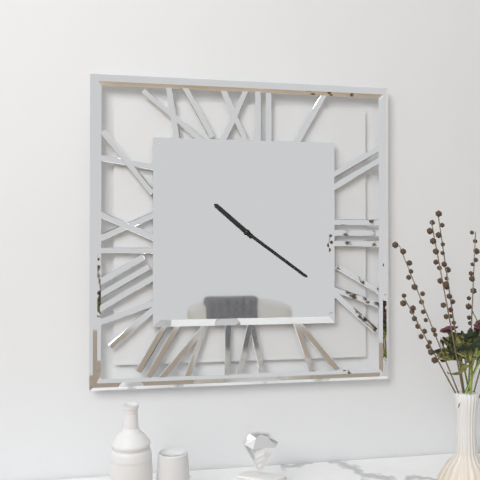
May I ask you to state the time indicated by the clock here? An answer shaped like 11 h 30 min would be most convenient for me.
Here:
10 h 21 min
